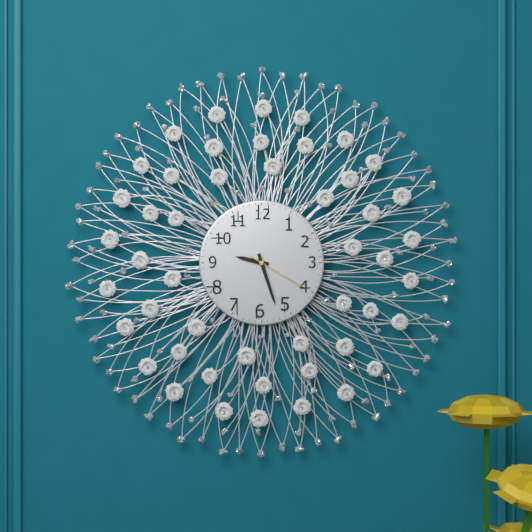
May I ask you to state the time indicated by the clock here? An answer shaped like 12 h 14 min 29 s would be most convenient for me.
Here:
9 h 27 min 20 s
